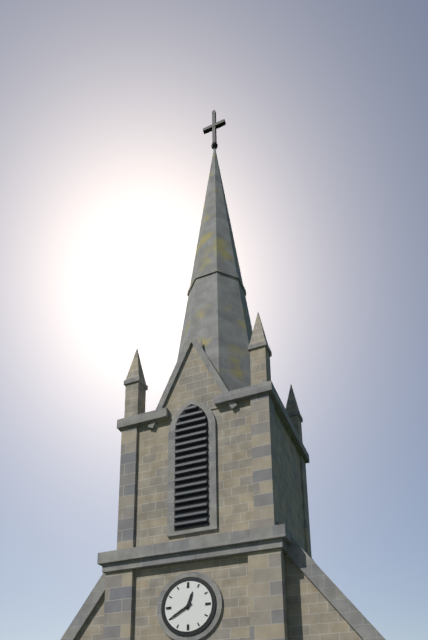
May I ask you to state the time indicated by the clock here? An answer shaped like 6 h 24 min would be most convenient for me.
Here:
12 h 40 min
